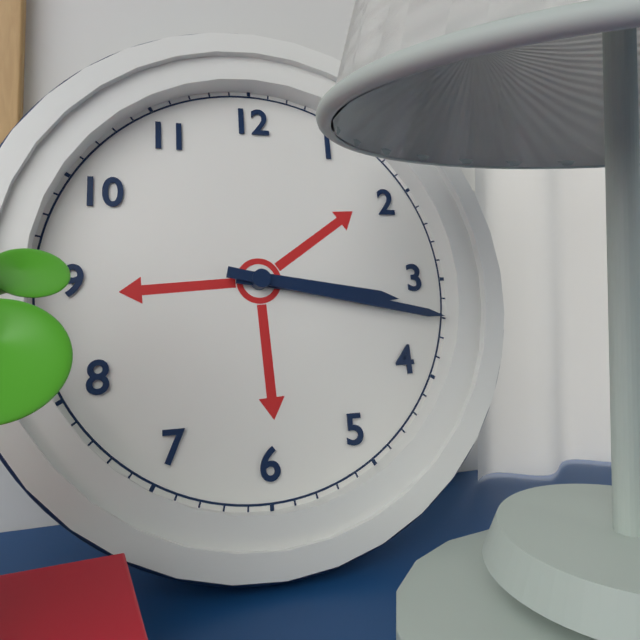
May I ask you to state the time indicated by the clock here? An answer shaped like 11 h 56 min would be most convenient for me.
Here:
3 h 17 min
